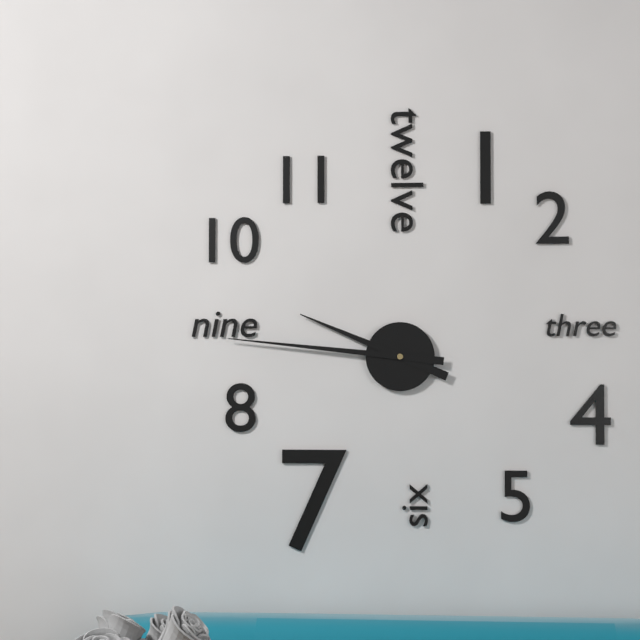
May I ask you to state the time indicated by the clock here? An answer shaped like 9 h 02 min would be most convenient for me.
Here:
9 h 46 min
